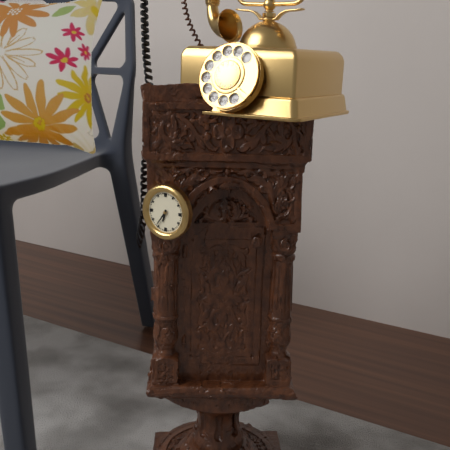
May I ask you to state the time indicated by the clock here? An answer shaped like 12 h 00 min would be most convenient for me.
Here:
6 h 36 min
